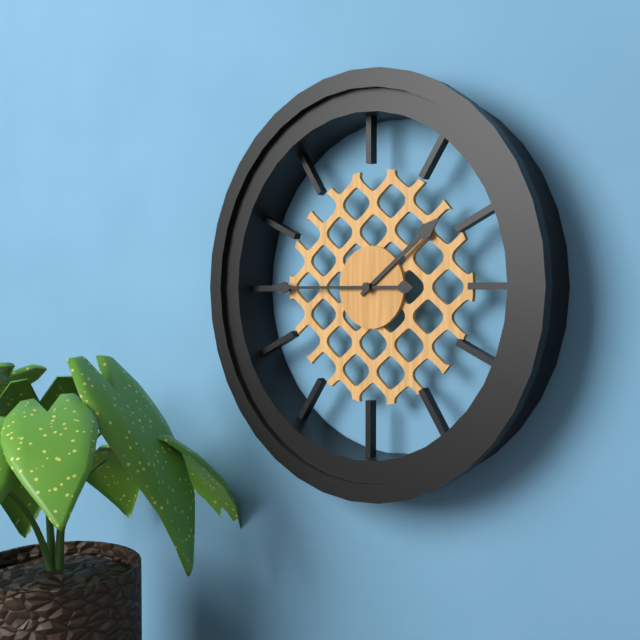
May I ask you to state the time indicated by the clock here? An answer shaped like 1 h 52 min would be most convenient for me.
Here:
1 h 45 min
